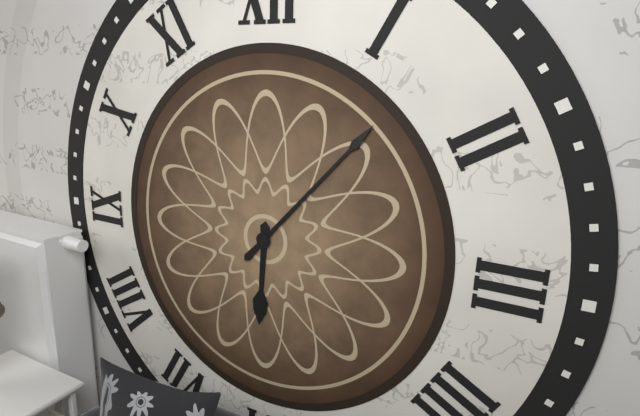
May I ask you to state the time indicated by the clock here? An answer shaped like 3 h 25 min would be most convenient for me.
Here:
6 h 07 min
